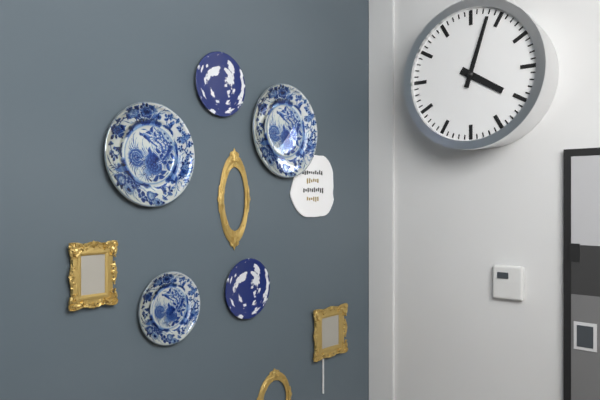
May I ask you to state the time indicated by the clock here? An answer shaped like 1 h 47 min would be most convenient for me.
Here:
4 h 03 min
